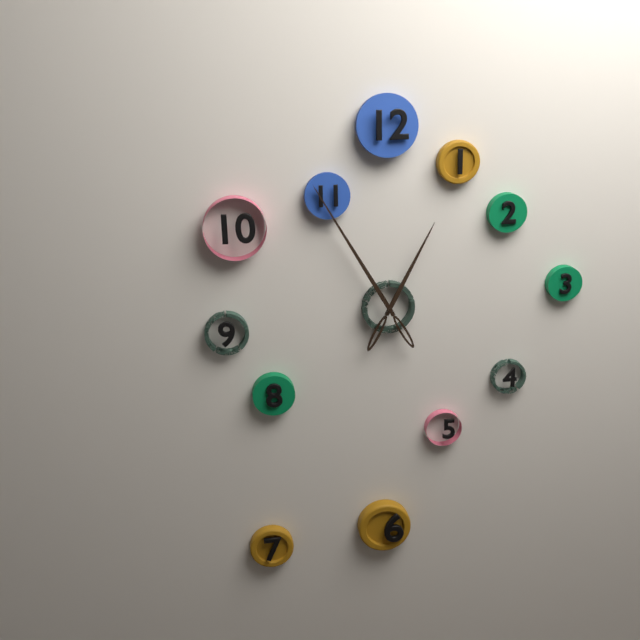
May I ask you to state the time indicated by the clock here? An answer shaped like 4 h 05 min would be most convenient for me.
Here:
12 h 55 min
